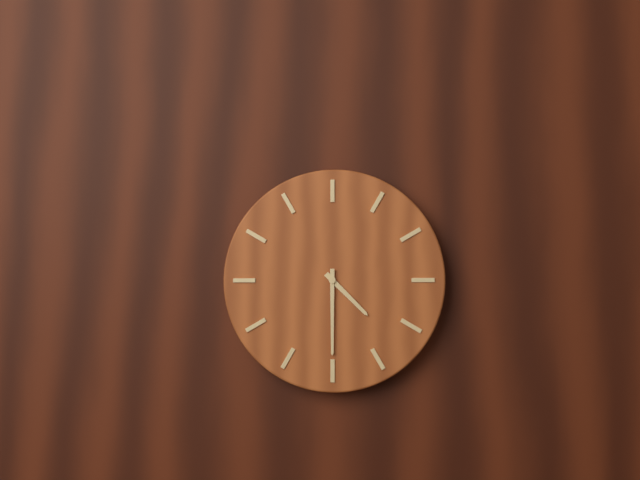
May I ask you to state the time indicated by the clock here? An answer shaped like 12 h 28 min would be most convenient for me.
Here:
4 h 30 min
